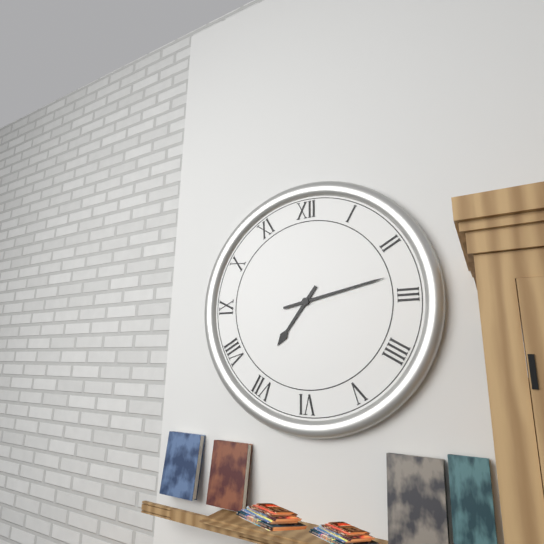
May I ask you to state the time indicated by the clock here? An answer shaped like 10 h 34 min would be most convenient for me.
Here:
7 h 13 min
